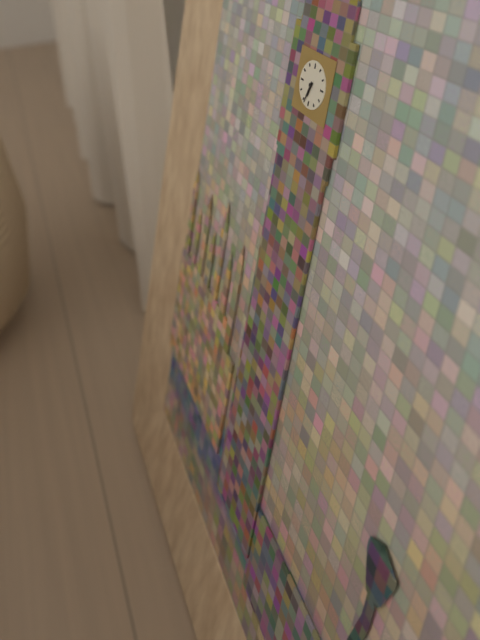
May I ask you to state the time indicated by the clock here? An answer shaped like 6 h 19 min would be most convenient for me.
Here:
6 h 33 min
